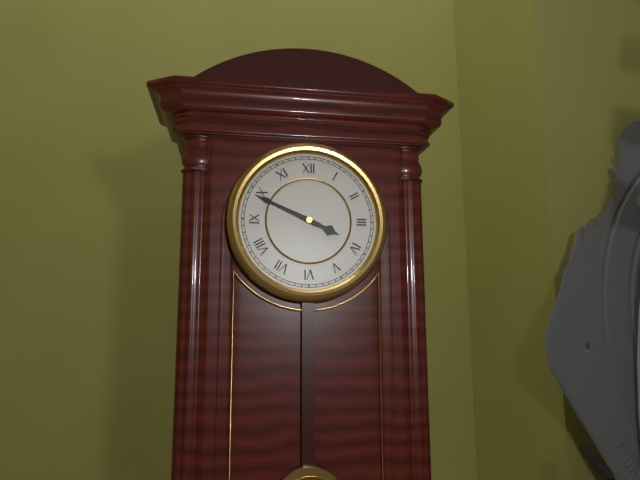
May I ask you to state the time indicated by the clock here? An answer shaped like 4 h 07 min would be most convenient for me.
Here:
3 h 49 min
